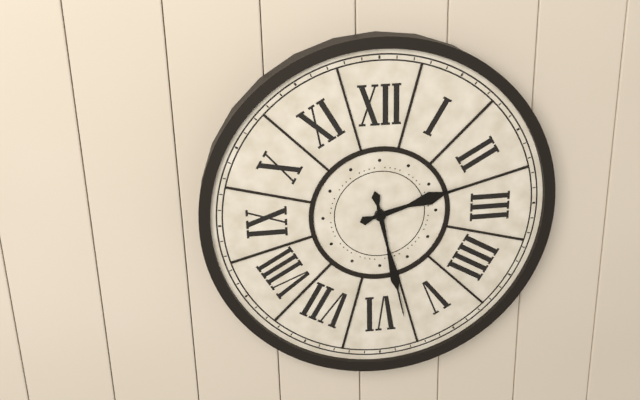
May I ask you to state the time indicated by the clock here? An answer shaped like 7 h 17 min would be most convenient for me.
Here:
2 h 28 min
